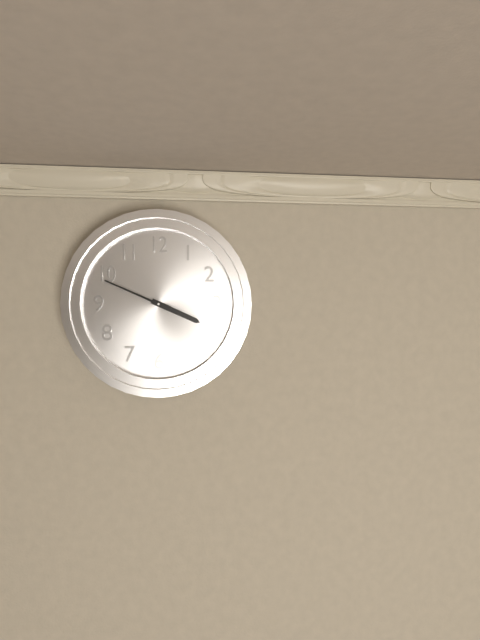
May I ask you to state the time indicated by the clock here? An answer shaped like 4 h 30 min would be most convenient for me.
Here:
3 h 49 min
